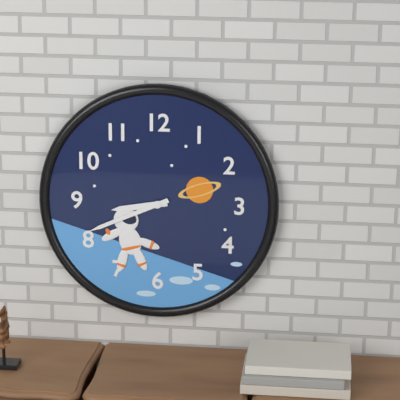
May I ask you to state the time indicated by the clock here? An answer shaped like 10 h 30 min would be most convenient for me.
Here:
8 h 41 min
